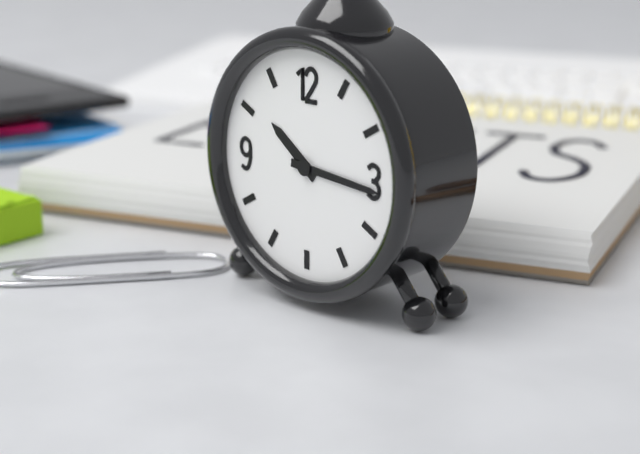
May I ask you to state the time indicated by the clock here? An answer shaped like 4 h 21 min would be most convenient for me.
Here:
10 h 16 min
